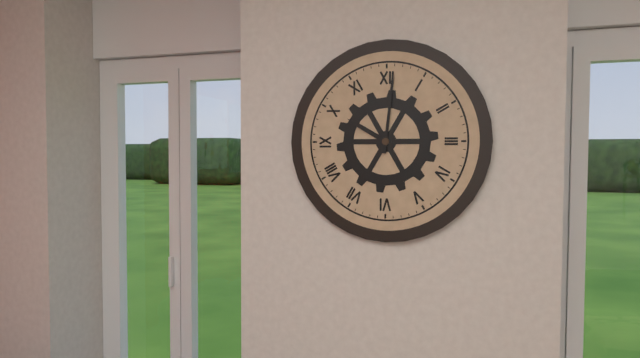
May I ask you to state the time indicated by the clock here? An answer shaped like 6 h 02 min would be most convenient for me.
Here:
10 h 01 min
